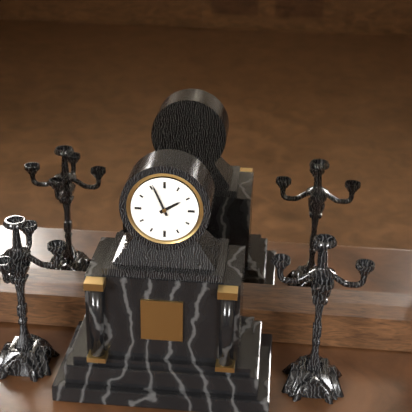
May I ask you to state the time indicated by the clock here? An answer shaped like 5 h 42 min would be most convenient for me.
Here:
1 h 56 min
